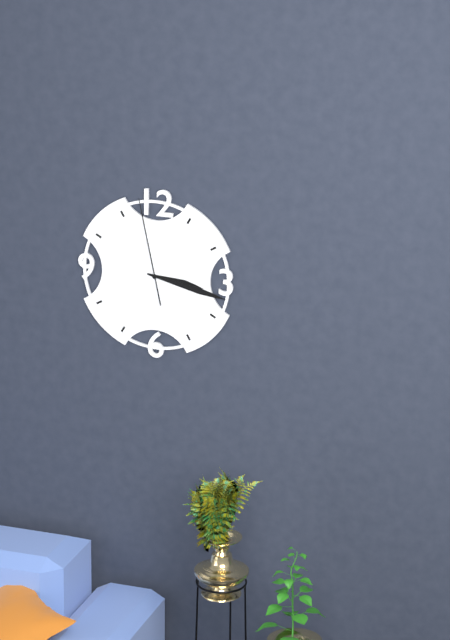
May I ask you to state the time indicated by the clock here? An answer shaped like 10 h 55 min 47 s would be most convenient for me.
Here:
3 h 17 min 58 s
